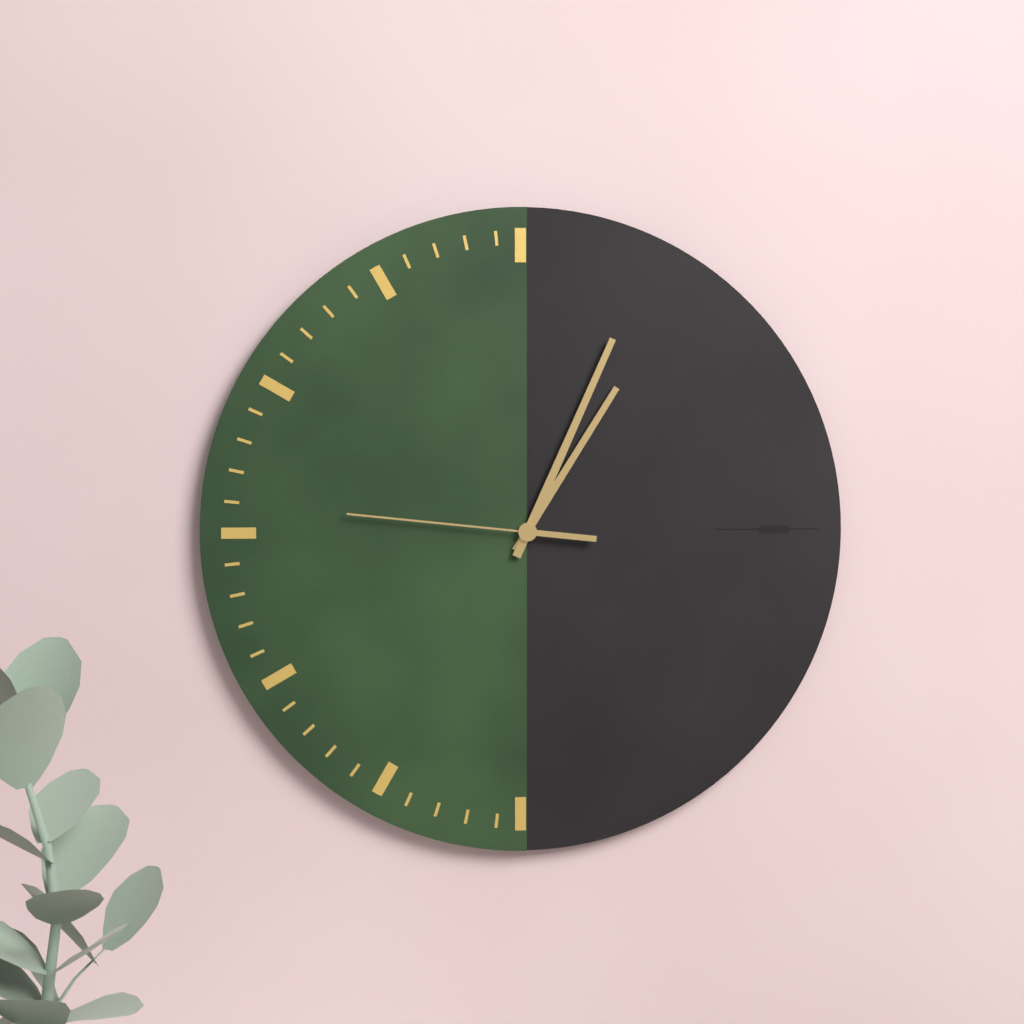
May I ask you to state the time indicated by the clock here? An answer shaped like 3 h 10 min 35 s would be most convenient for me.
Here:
1 h 04 min 46 s
